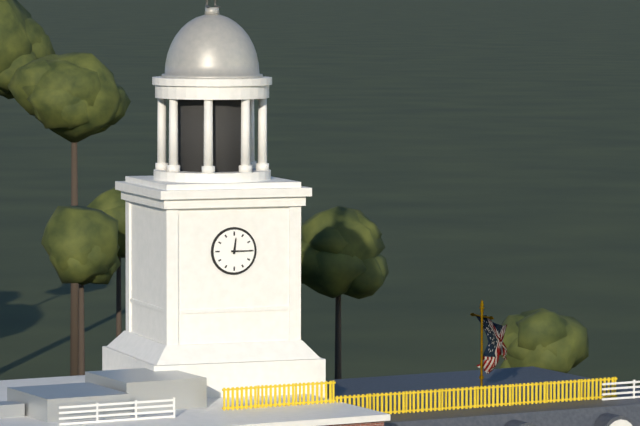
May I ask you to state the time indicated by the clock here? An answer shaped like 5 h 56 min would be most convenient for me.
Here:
12 h 15 min
